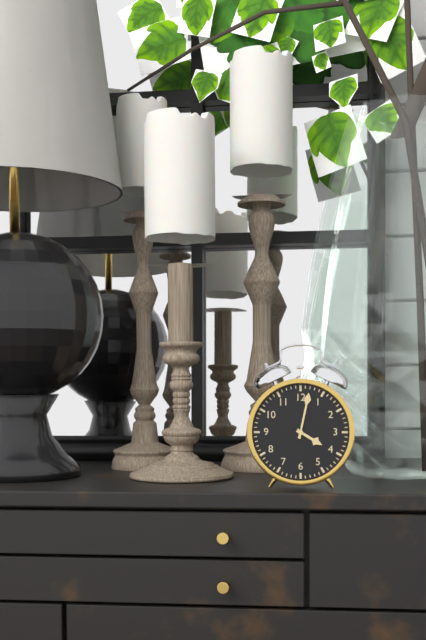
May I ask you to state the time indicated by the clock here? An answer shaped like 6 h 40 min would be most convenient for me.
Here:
4 h 02 min
